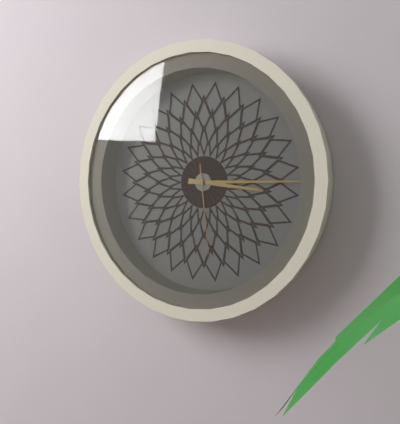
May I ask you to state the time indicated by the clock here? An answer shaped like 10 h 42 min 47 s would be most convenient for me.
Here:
3 h 15 min 29 s
